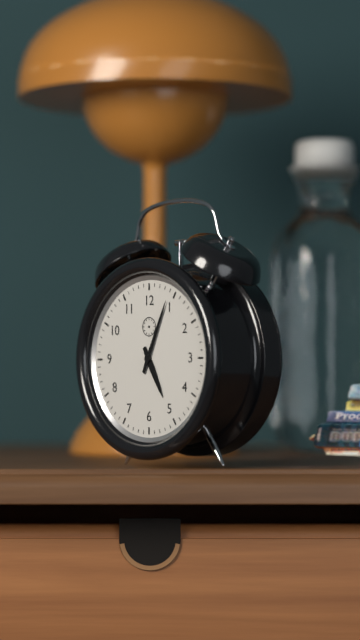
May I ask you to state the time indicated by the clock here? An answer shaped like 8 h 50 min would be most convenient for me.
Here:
5 h 04 min
